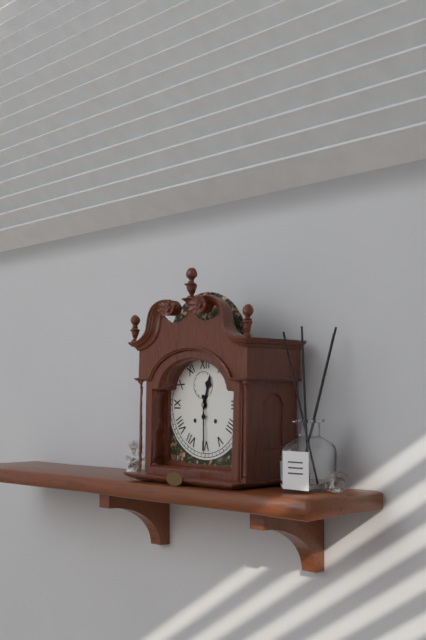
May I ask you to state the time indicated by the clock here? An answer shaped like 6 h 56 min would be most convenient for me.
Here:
12 h 30 min
